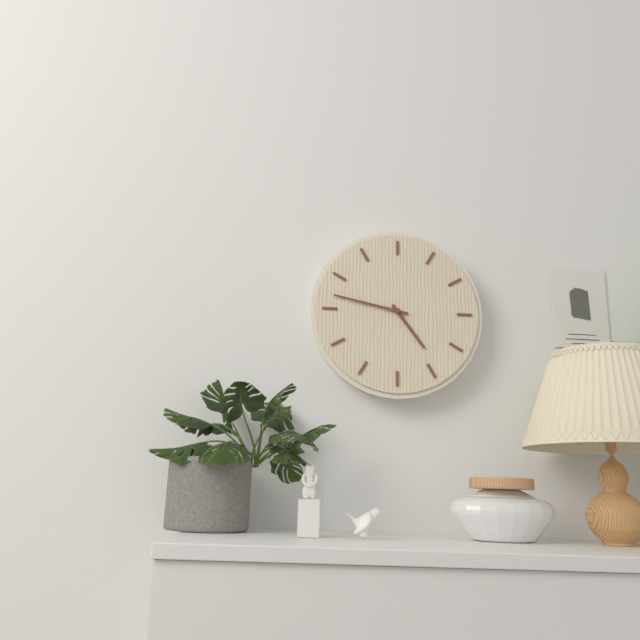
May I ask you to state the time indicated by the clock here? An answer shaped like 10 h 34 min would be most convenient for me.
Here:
4 h 47 min
